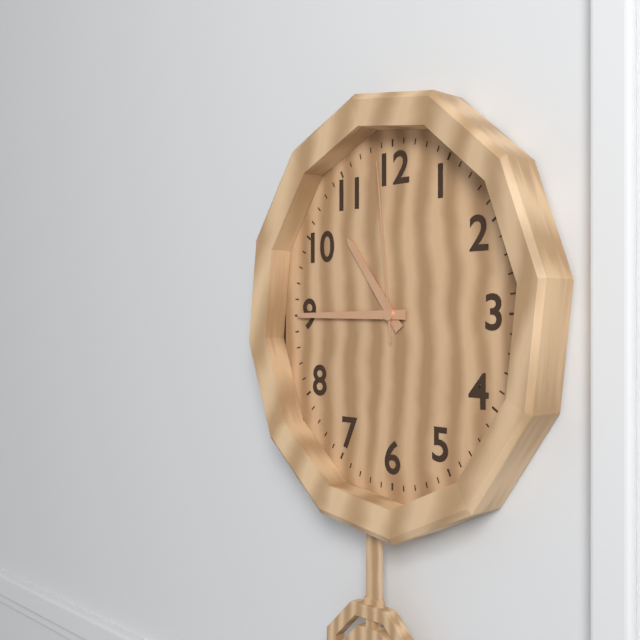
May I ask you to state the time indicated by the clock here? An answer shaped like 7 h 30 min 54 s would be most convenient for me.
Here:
10 h 45 min 59 s
